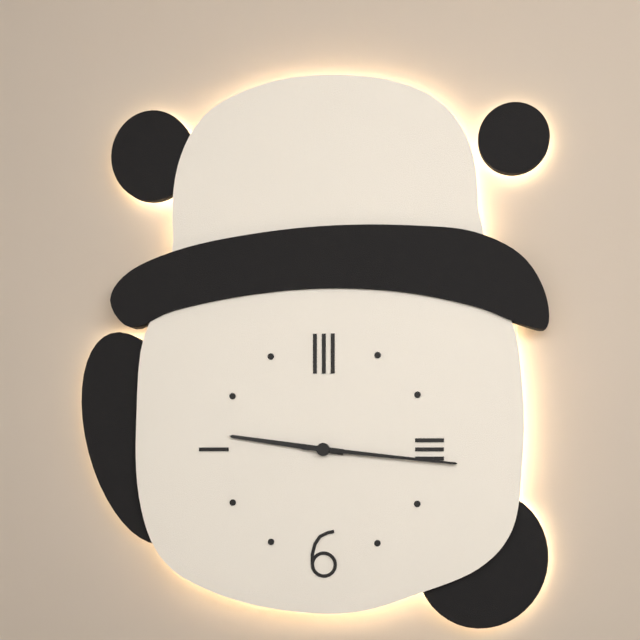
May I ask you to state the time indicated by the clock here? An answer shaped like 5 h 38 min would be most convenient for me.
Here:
9 h 16 min
